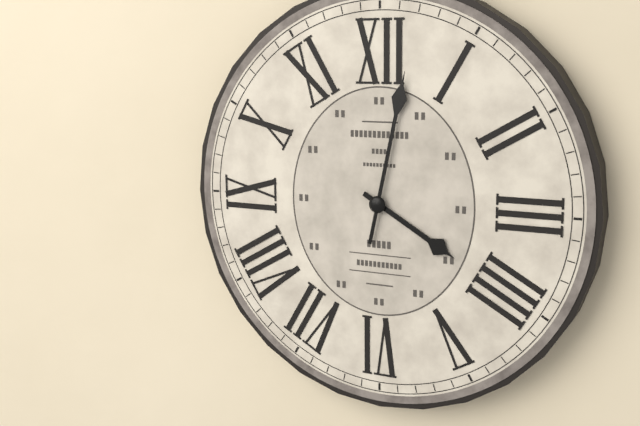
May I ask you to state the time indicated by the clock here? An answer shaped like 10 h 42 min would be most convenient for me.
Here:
4 h 02 min
